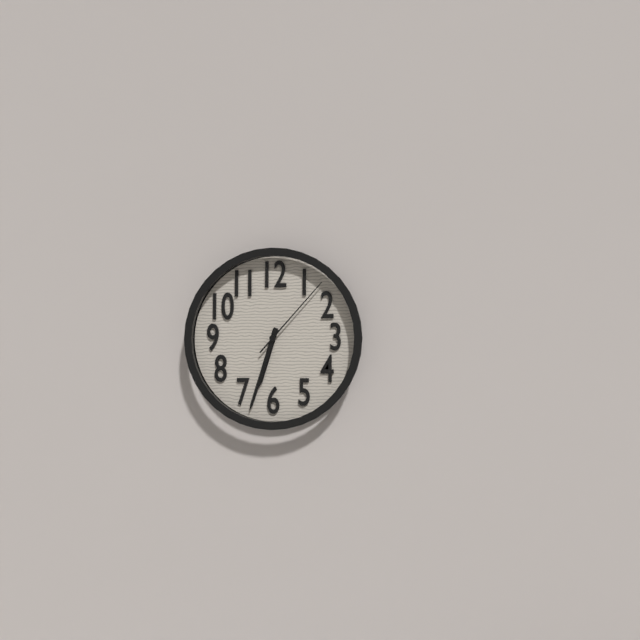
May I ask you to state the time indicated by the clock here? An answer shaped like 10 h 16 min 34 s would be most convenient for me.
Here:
6 h 33 min 07 s
